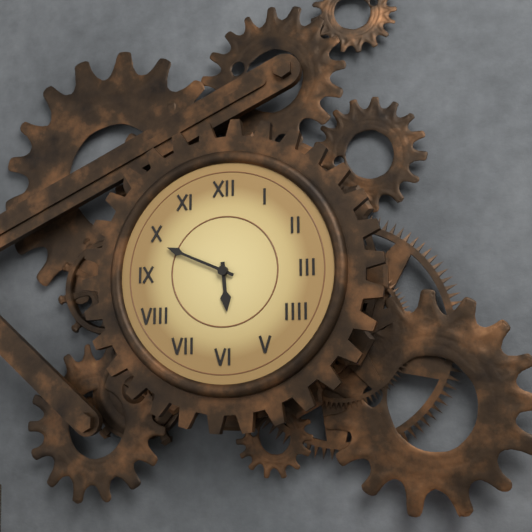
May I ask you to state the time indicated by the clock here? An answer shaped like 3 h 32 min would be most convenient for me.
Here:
5 h 49 min
